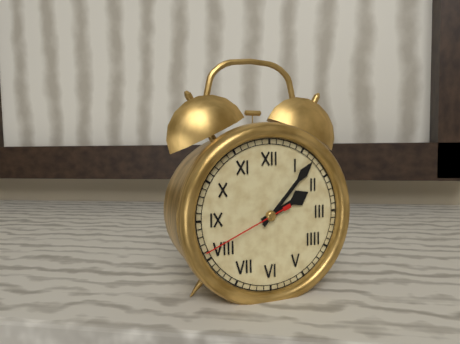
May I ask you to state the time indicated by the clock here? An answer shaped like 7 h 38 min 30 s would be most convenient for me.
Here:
2 h 07 min 41 s
